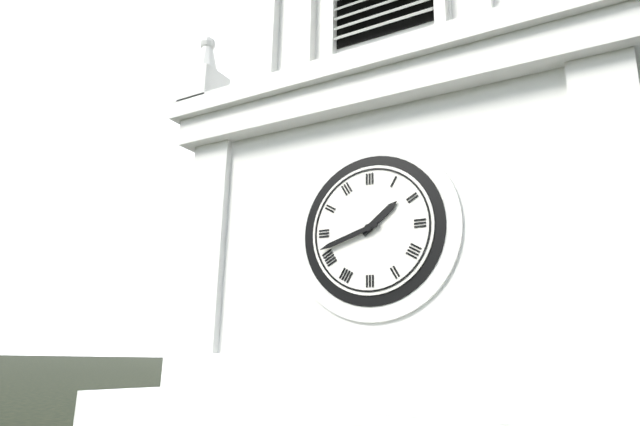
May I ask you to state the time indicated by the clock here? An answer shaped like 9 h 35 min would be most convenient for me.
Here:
1 h 42 min
